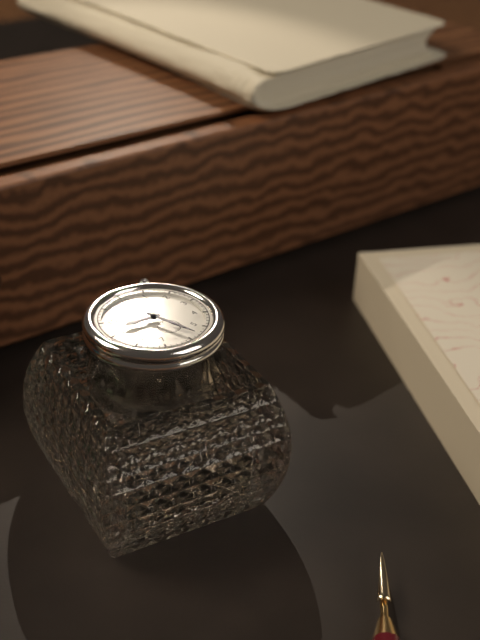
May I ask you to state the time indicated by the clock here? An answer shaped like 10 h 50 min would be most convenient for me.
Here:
9 h 28 min
